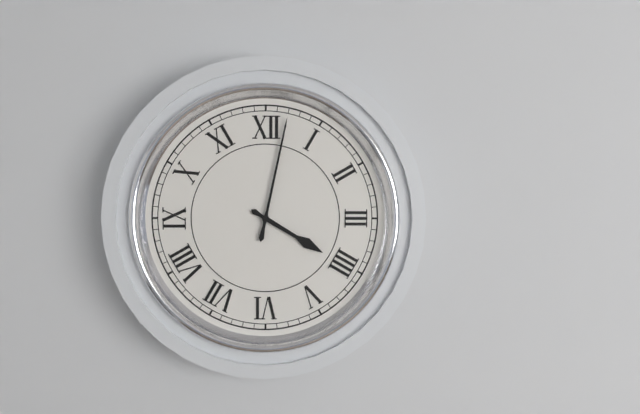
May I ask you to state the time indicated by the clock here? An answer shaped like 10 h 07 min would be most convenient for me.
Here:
4 h 02 min
